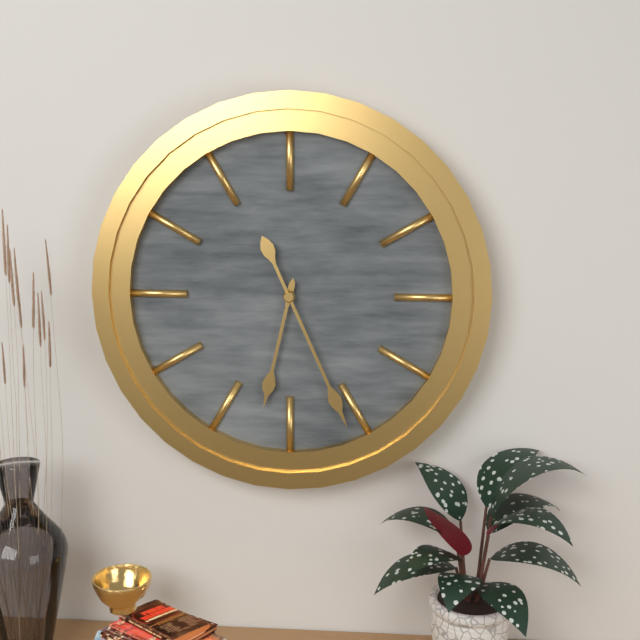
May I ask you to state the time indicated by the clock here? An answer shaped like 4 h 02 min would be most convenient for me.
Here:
6 h 26 min
